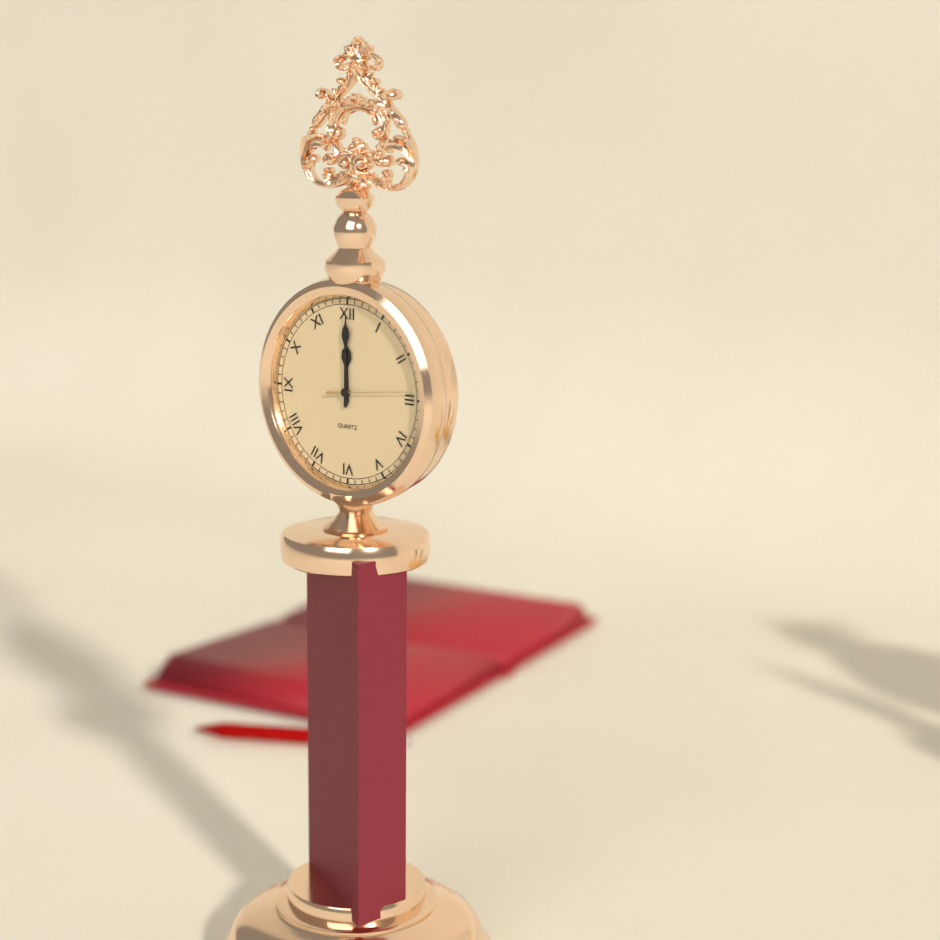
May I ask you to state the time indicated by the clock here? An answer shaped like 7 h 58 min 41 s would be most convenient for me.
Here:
12 h 00 min 14 s
